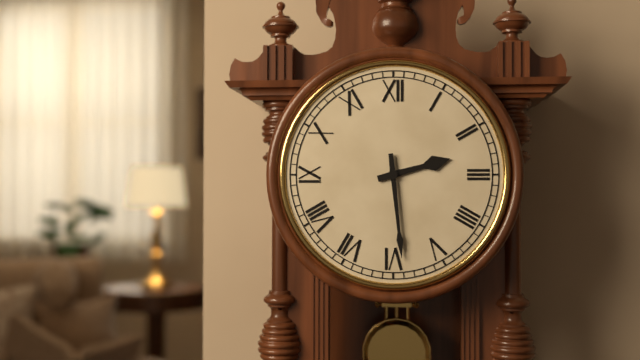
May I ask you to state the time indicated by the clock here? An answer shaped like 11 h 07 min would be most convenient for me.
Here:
2 h 29 min
